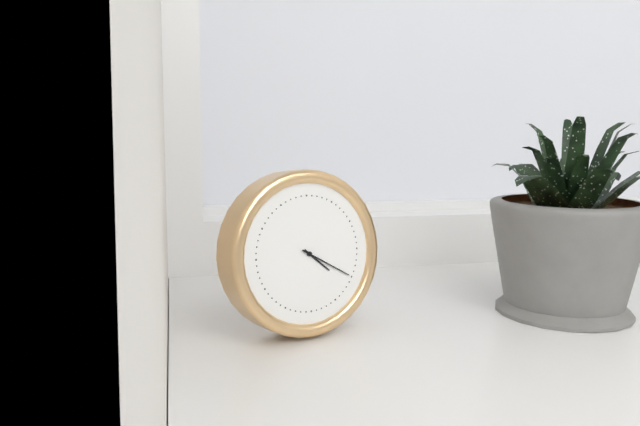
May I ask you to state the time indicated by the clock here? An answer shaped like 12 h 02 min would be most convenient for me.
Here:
4 h 20 min
